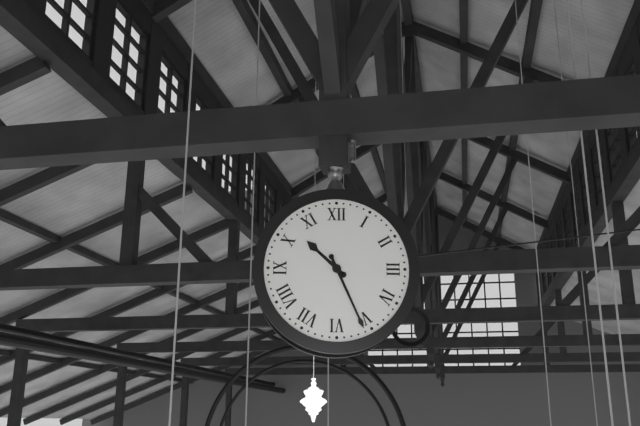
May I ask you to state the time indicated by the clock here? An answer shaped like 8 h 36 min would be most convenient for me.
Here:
10 h 26 min
